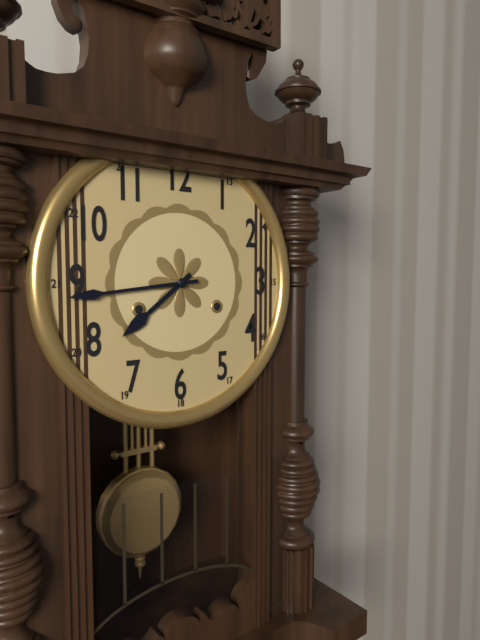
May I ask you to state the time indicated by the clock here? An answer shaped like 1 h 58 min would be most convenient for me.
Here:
7 h 44 min
